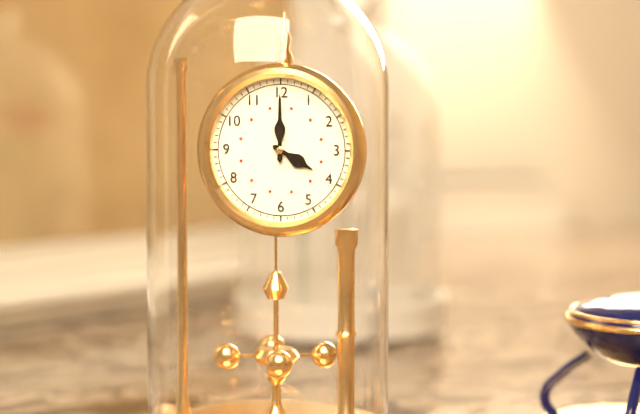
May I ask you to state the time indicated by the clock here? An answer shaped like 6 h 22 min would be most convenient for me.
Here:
4 h 00 min
